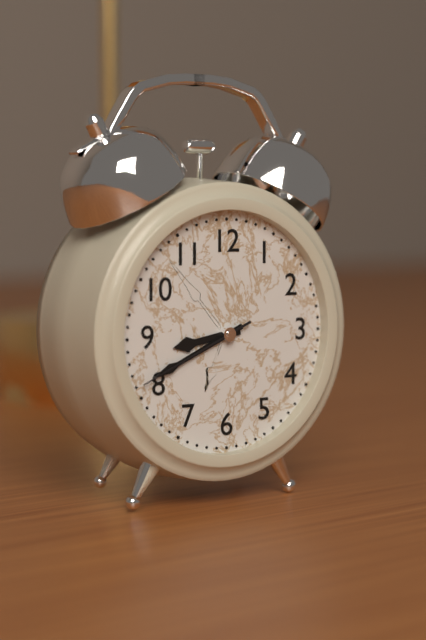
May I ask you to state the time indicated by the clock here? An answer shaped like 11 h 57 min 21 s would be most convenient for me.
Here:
8 h 41 min 41 s
